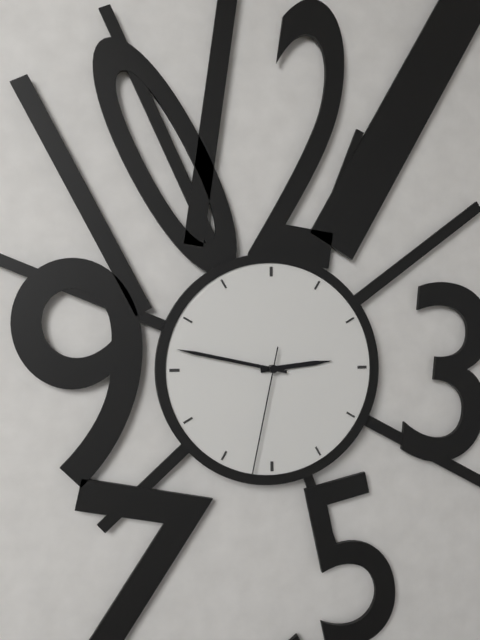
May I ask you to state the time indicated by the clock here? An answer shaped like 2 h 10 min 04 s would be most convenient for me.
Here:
2 h 47 min 32 s
